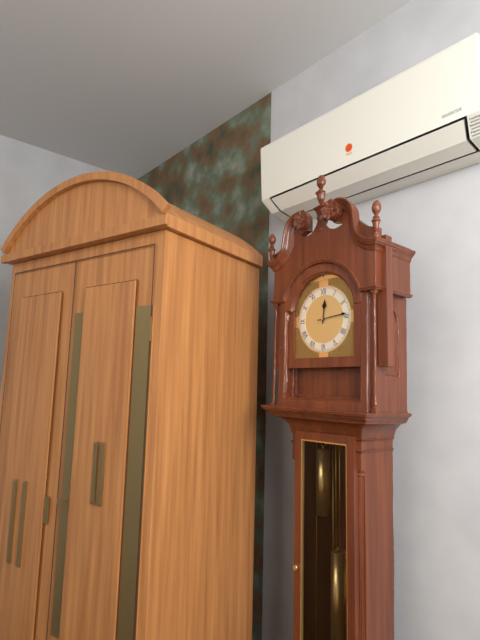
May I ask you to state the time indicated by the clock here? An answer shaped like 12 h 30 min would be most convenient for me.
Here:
12 h 14 min
